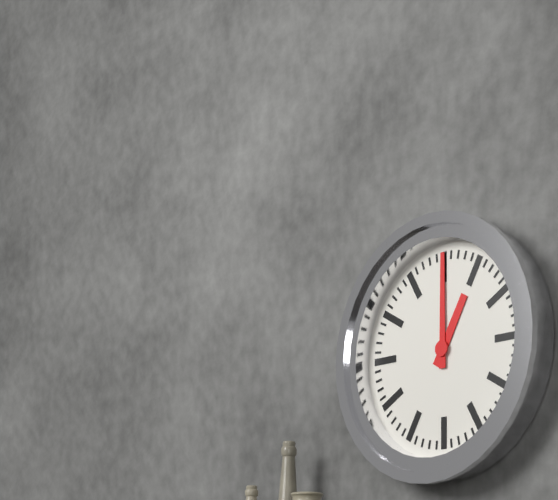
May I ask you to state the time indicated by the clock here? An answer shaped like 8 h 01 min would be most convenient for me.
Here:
1 h 00 min
